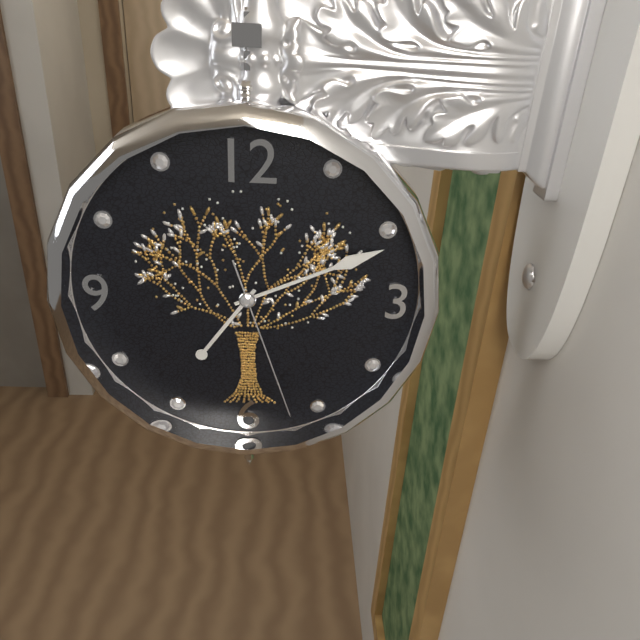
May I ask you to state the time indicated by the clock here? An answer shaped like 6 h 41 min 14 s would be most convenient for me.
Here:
7 h 11 min 27 s
